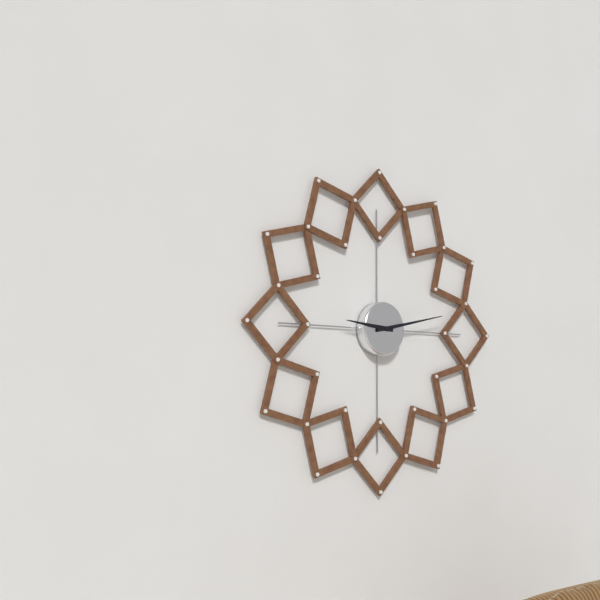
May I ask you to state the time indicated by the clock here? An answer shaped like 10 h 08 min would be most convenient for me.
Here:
9 h 13 min
